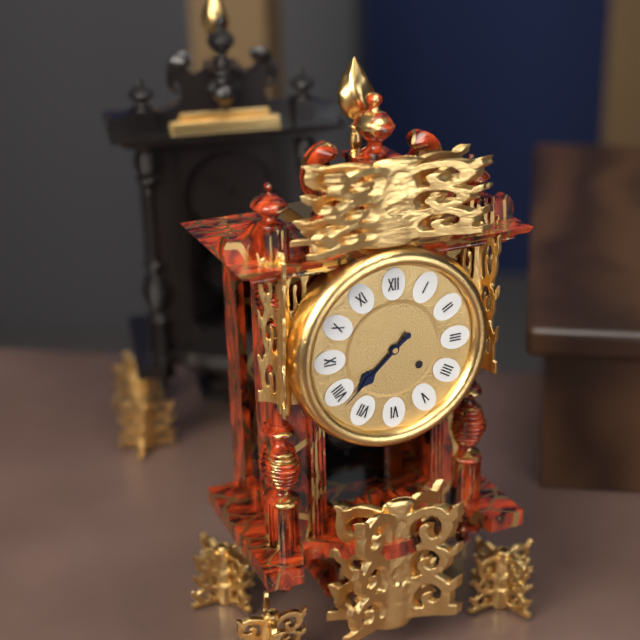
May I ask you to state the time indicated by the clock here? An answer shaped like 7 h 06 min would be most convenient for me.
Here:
7 h 38 min
